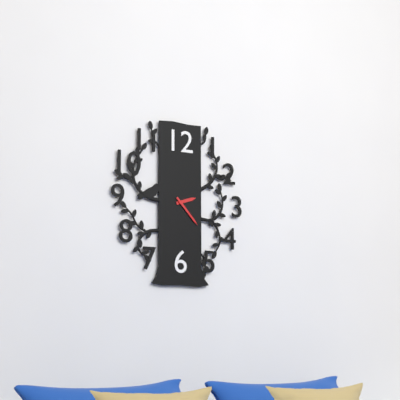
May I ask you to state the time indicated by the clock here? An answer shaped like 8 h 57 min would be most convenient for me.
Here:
2 h 23 min
